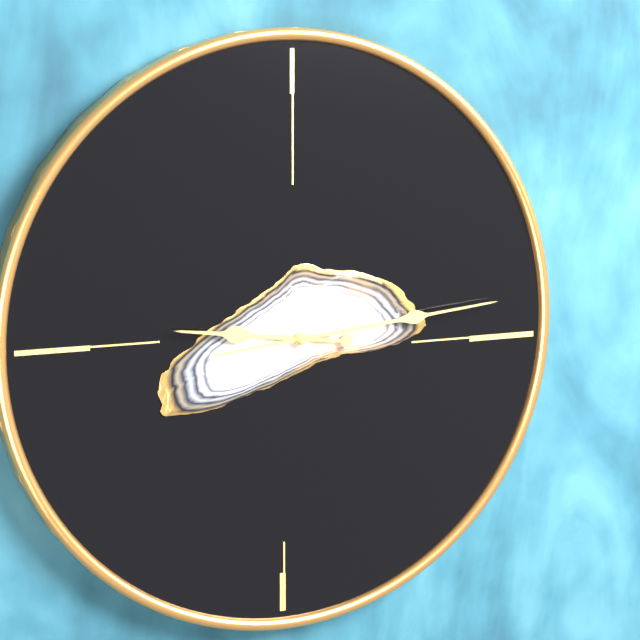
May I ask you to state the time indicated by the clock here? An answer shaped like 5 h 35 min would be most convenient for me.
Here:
9 h 14 min
